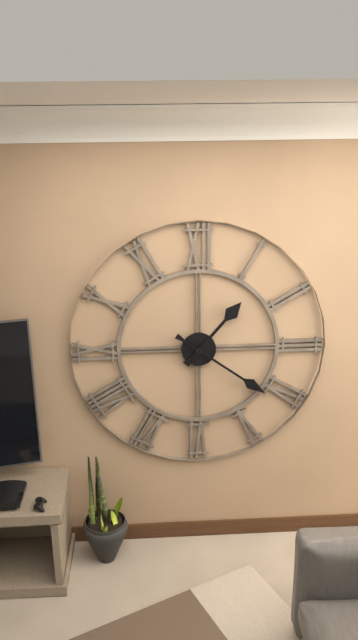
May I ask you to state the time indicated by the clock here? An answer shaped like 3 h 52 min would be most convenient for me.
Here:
1 h 21 min
